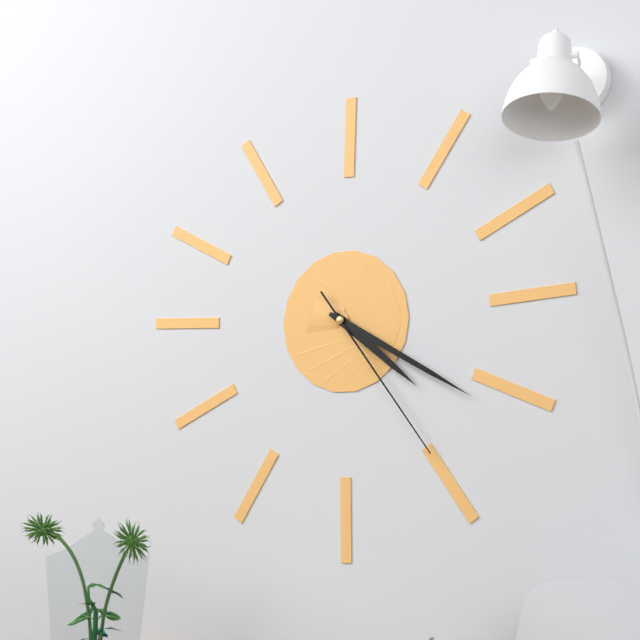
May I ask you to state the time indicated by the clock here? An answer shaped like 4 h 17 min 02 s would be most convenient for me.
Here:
4 h 20 min 24 s
